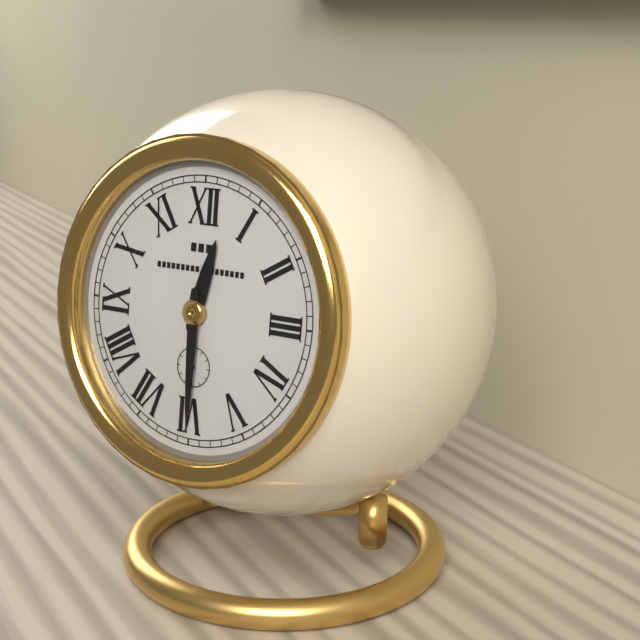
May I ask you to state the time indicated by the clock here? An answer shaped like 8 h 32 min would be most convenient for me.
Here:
12 h 30 min
